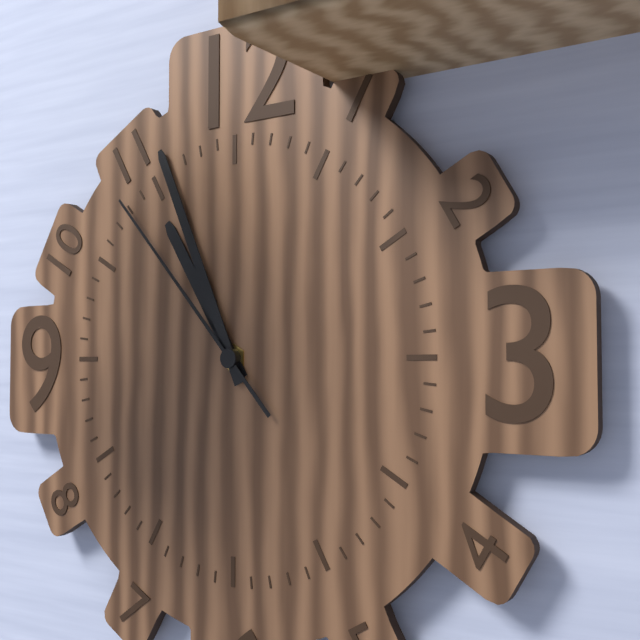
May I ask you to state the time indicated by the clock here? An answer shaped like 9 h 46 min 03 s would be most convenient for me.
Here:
10 h 56 min 53 s
